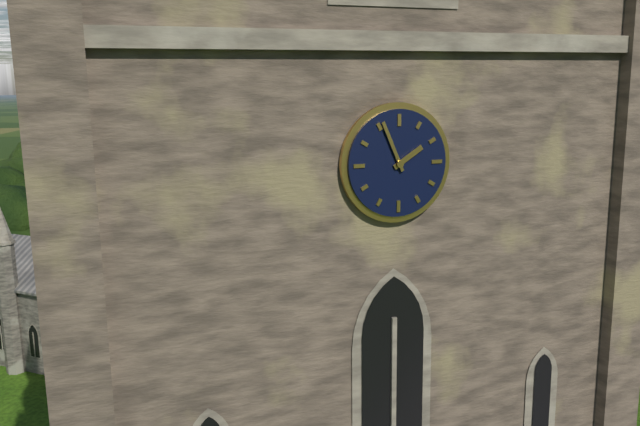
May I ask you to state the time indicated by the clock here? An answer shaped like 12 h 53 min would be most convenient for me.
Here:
1 h 56 min
